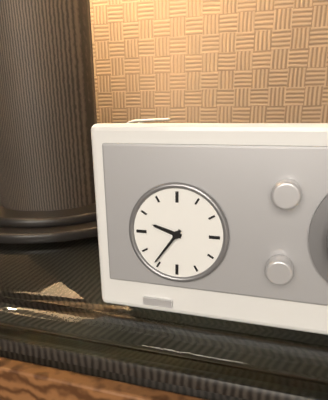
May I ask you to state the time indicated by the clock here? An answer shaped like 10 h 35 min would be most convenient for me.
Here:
9 h 36 min
